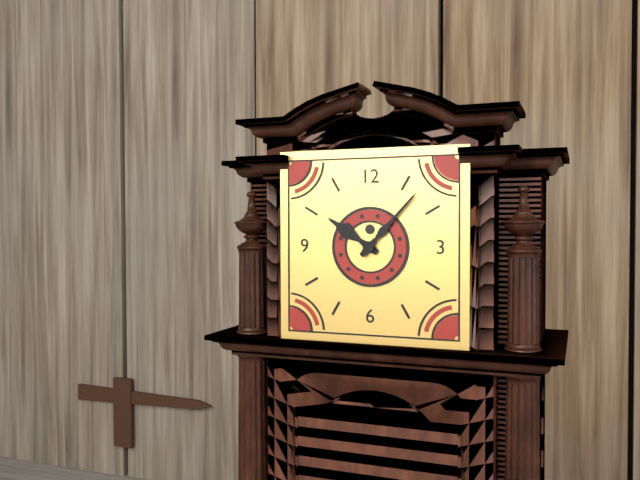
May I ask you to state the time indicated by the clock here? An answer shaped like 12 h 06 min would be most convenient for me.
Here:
10 h 07 min
